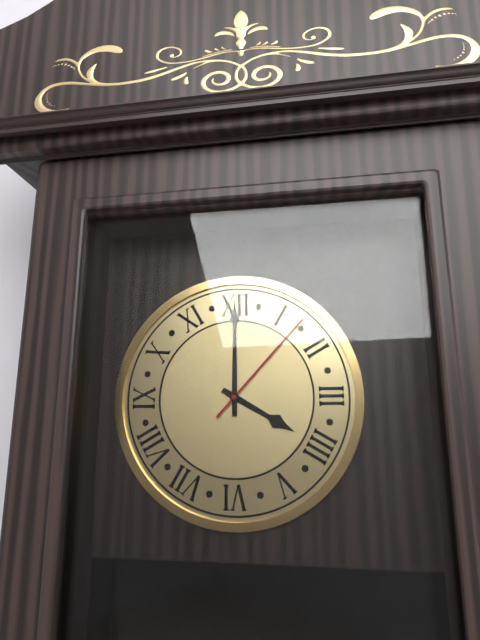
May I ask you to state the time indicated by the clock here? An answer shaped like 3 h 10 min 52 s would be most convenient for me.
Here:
4 h 00 min 07 s
